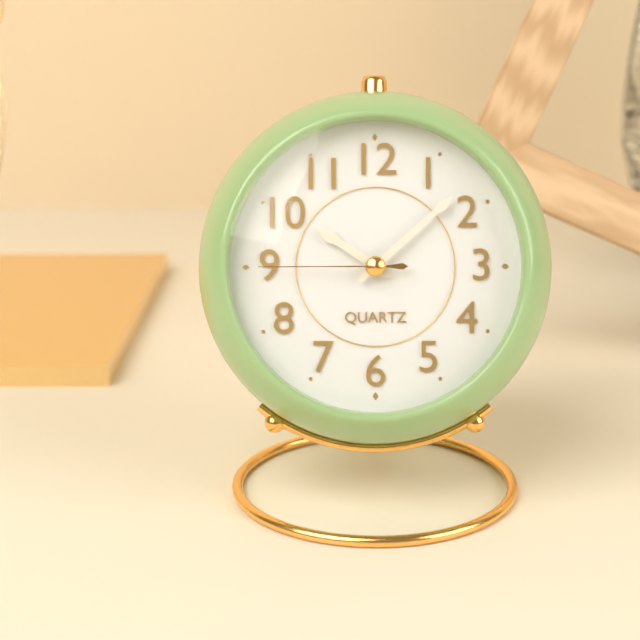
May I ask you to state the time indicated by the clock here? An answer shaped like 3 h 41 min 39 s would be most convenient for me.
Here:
10 h 08 min 45 s
